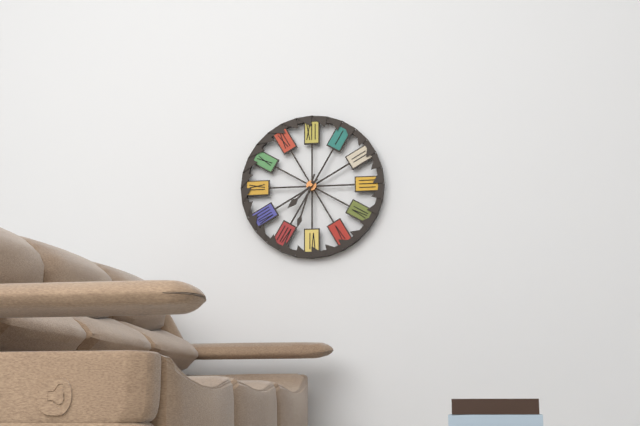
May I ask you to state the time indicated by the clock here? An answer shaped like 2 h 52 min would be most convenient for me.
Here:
7 h 33 min
